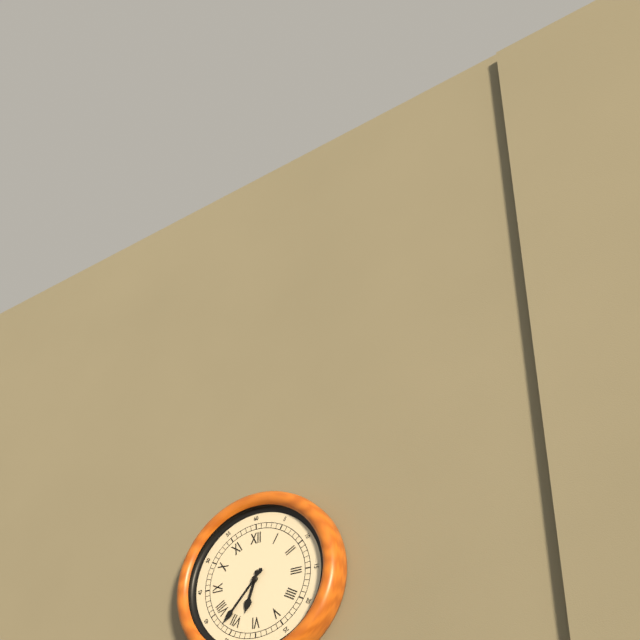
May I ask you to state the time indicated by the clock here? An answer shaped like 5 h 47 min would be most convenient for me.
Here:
6 h 37 min
